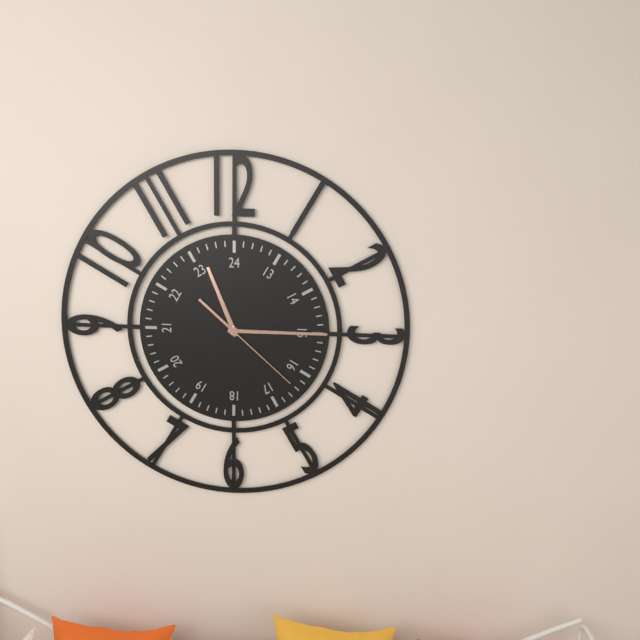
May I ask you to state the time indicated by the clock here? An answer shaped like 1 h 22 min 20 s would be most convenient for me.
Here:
11 h 15 min 22 s
